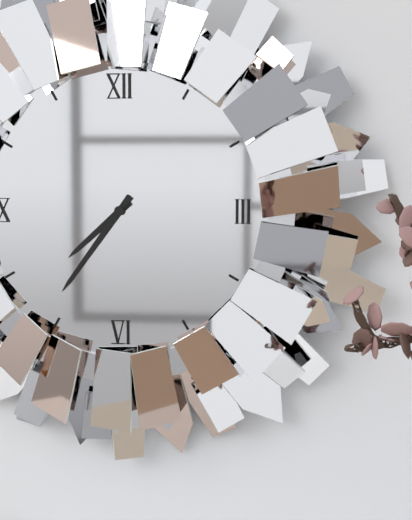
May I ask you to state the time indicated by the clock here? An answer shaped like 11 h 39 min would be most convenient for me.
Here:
7 h 36 min
